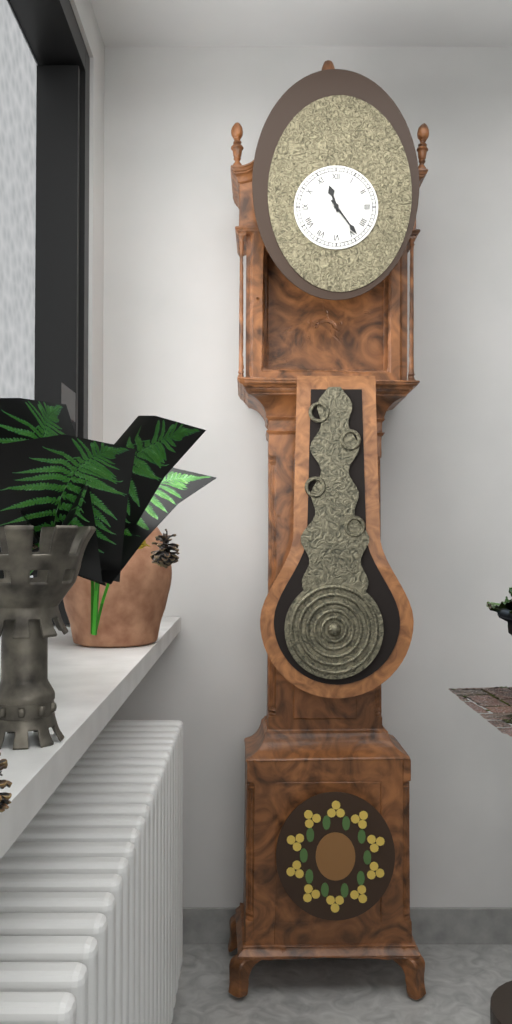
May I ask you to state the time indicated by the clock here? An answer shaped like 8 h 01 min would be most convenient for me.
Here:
11 h 24 min
